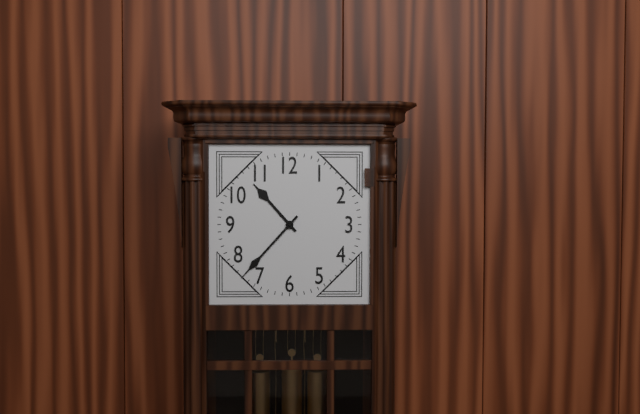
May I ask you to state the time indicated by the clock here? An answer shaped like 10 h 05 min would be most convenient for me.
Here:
10 h 37 min
